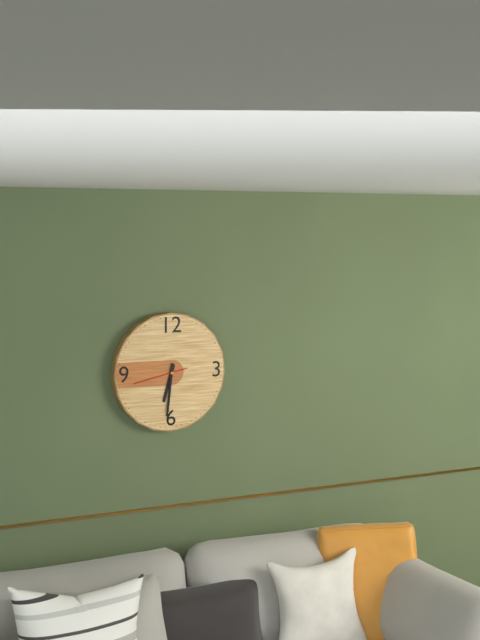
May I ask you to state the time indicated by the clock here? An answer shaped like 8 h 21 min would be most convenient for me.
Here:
6 h 31 min
